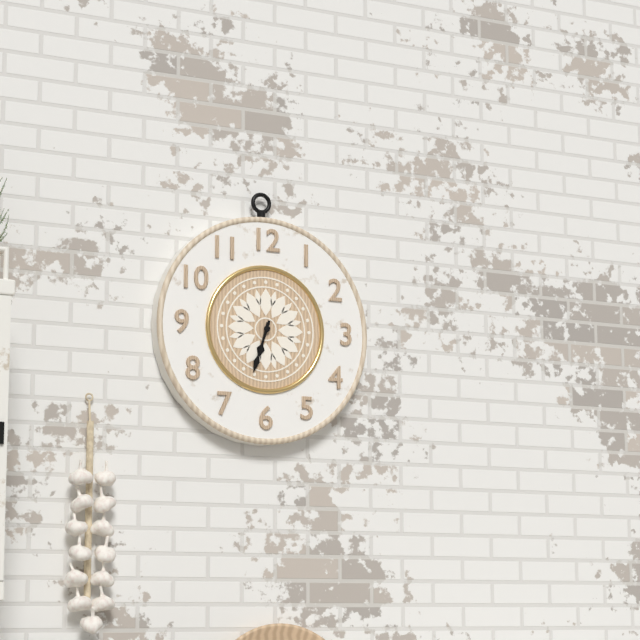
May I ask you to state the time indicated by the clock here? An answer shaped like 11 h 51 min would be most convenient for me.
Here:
6 h 33 min
